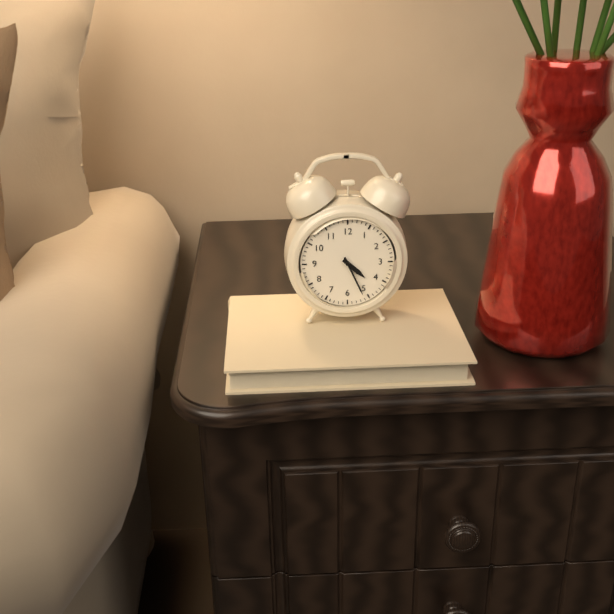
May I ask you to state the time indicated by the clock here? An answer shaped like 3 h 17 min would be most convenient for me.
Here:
4 h 26 min
